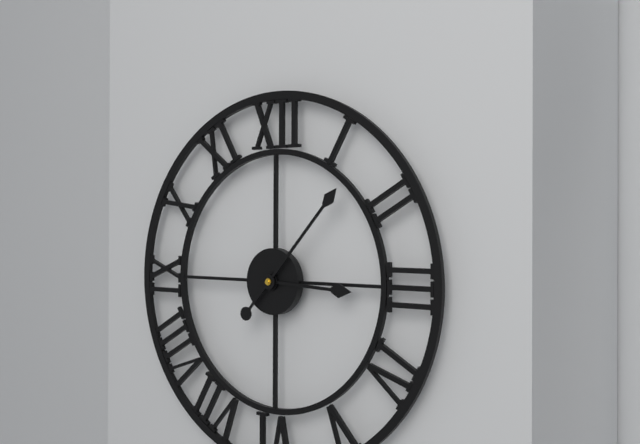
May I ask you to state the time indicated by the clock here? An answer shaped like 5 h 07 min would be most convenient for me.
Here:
3 h 07 min
